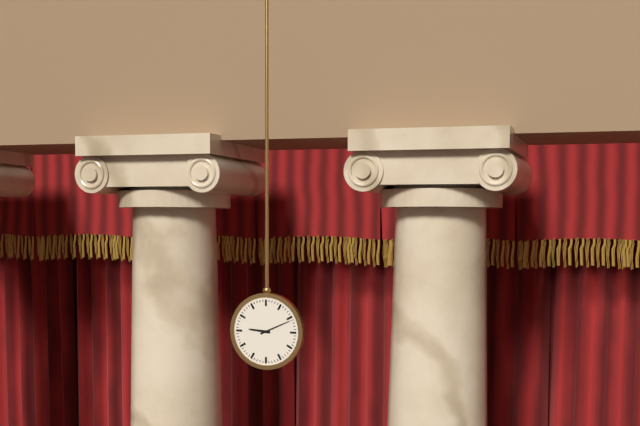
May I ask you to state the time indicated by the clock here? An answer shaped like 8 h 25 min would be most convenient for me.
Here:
9 h 11 min
